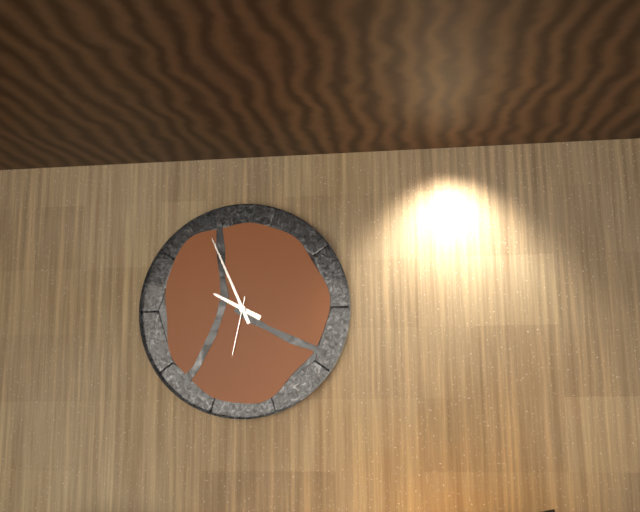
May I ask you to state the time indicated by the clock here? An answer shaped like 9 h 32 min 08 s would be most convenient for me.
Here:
9 h 56 min 32 s
